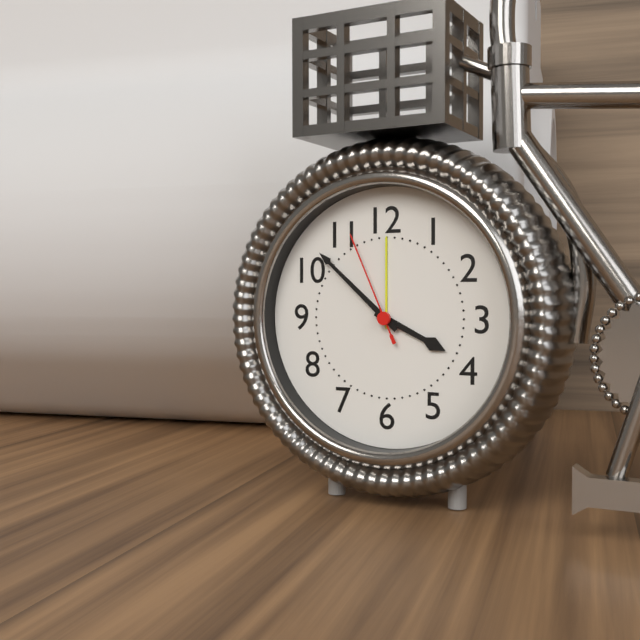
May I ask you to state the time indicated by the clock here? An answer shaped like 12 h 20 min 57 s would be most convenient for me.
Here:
3 h 52 min 56 s
